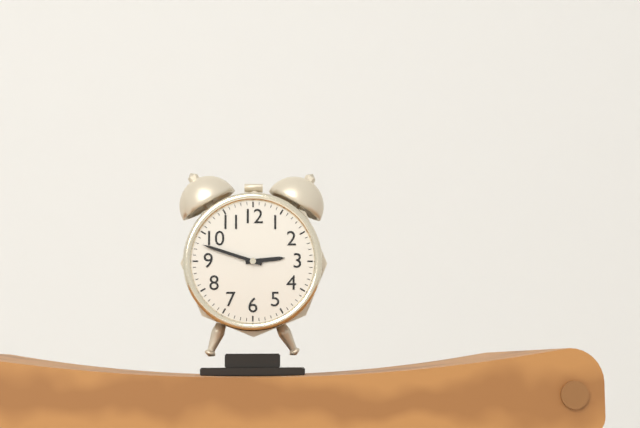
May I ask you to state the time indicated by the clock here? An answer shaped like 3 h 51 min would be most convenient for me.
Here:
2 h 48 min
